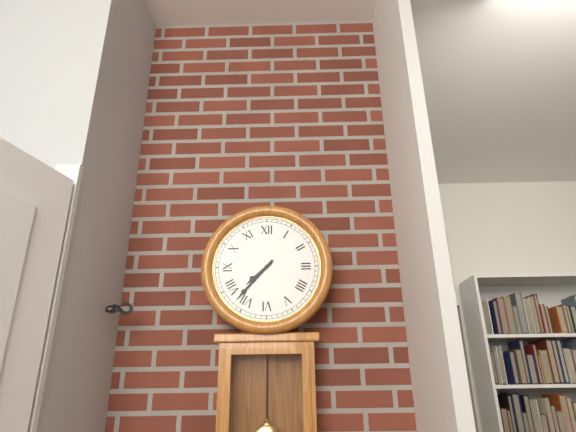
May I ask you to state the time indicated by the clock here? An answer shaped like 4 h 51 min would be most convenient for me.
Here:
7 h 37 min
